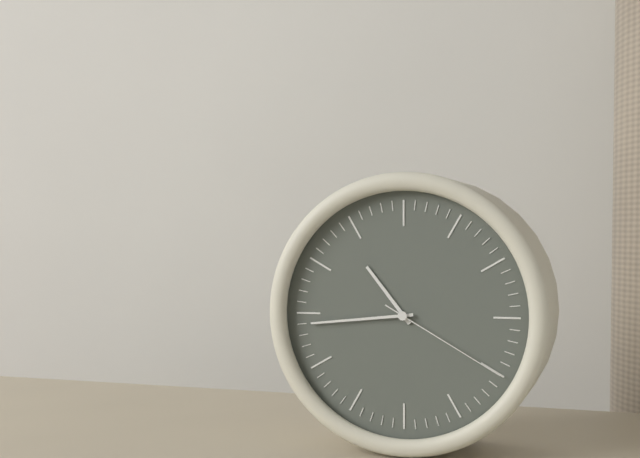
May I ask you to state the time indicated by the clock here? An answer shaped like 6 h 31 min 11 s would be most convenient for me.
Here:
10 h 44 min 20 s
